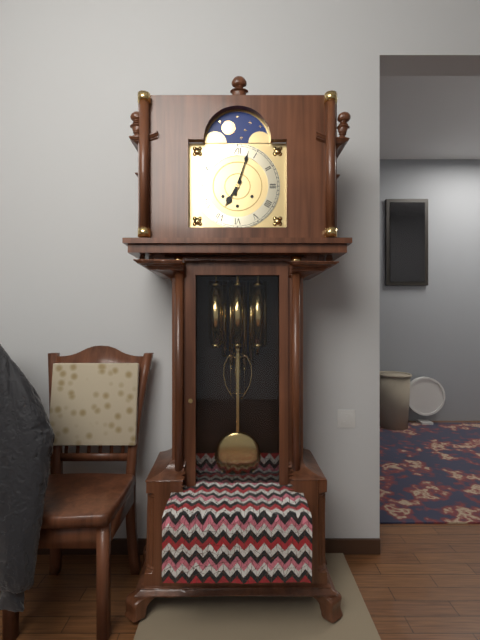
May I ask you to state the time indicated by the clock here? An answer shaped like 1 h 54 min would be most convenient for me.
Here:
7 h 03 min
